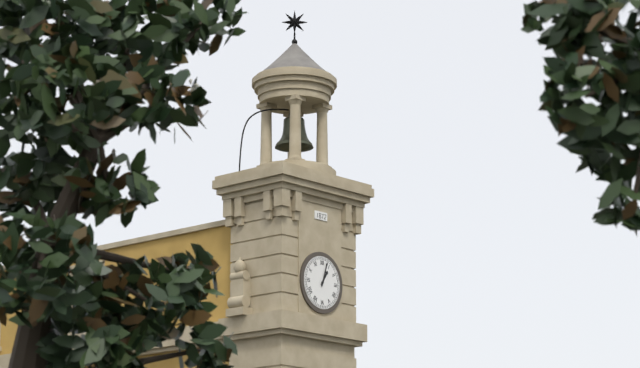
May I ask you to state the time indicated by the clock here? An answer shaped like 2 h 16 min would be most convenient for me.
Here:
1 h 03 min
